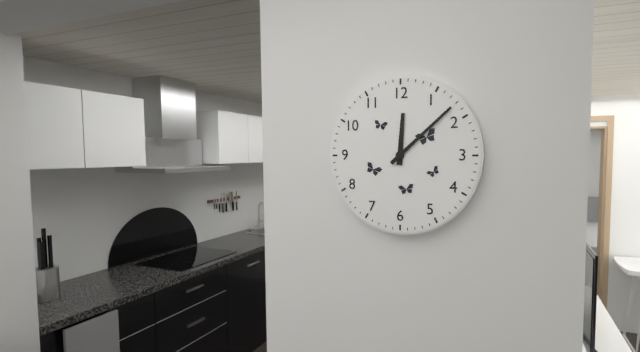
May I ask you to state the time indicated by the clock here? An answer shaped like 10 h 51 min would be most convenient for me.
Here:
12 h 08 min
